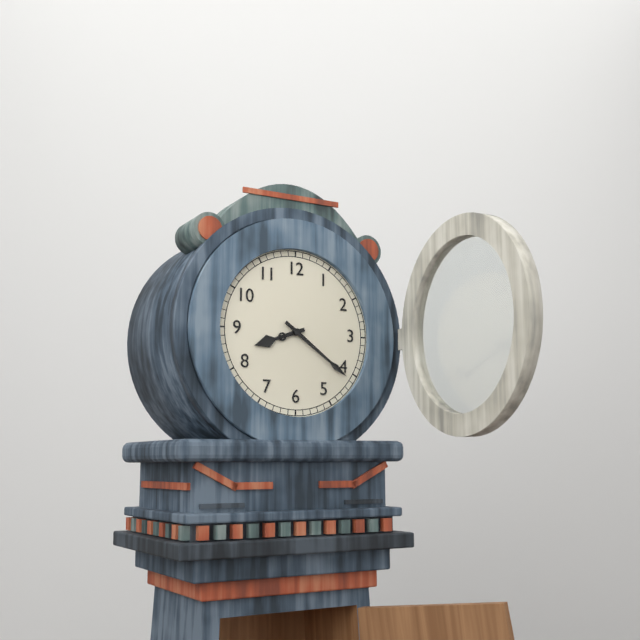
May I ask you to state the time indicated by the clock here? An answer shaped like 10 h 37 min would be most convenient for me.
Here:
8 h 21 min
